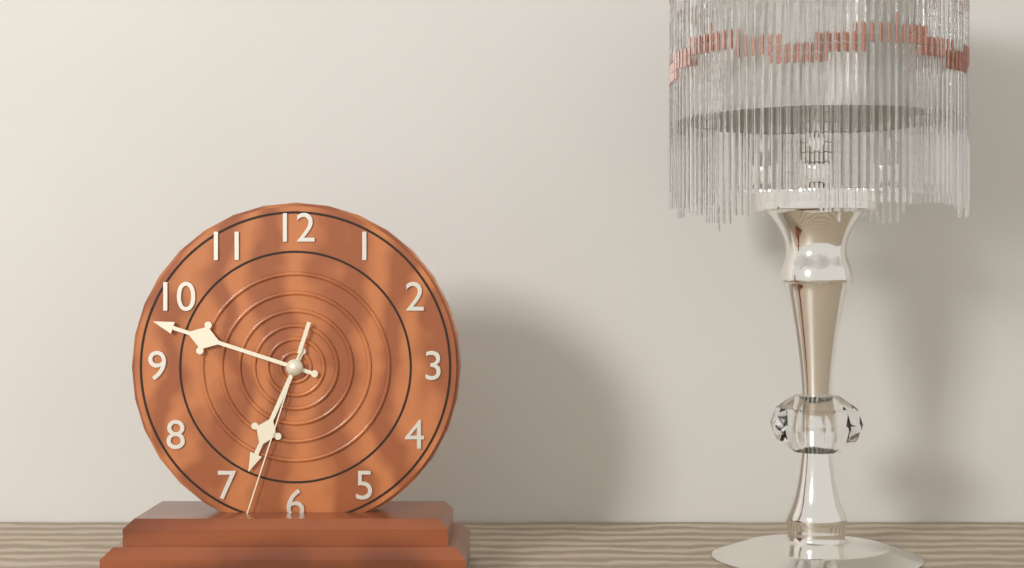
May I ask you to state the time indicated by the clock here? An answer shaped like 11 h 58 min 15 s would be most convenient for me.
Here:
6 h 48 min 33 s
